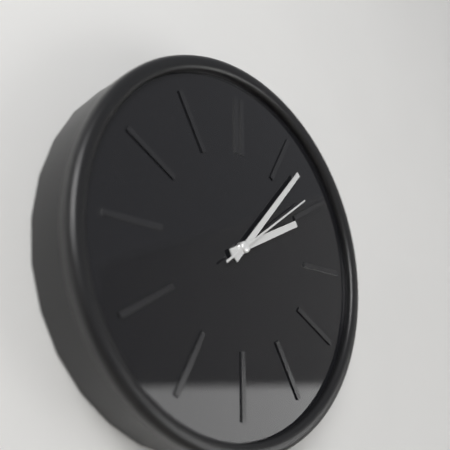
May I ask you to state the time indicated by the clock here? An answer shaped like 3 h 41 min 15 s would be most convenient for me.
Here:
2 h 07 min 09 s
